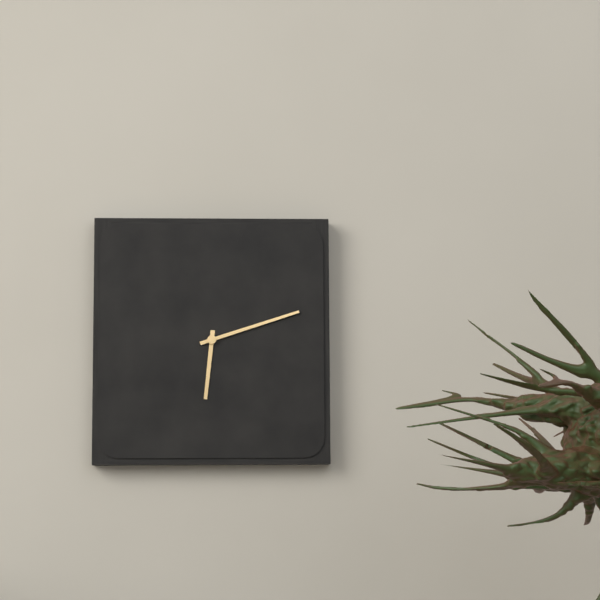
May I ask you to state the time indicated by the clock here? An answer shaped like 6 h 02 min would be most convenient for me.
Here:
6 h 12 min
